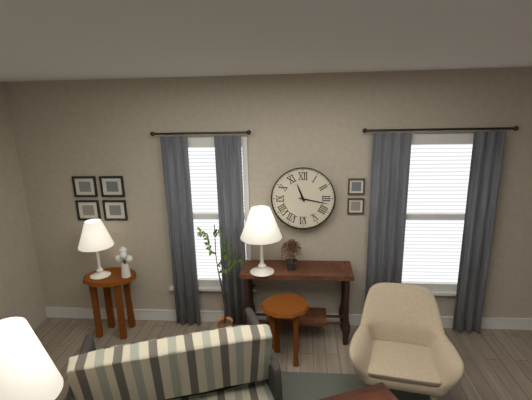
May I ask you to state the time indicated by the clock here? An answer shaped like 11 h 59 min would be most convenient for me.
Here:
11 h 17 min
